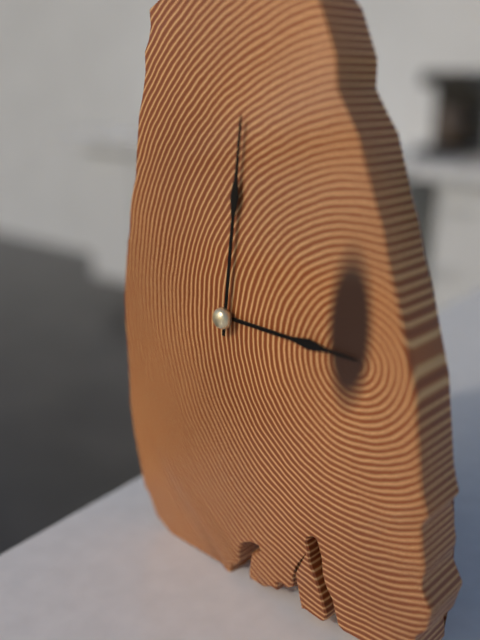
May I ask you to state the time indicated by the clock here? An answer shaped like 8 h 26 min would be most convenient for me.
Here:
3 h 01 min
